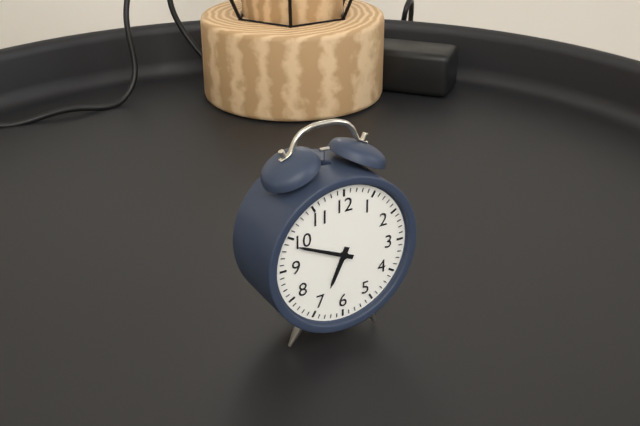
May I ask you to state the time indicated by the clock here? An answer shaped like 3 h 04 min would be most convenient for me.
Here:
6 h 49 min
